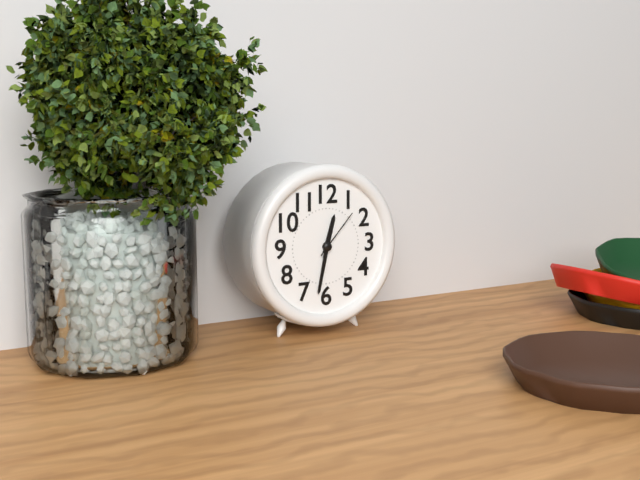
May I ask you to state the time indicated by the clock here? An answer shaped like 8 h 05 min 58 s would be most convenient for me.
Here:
12 h 32 min 07 s
